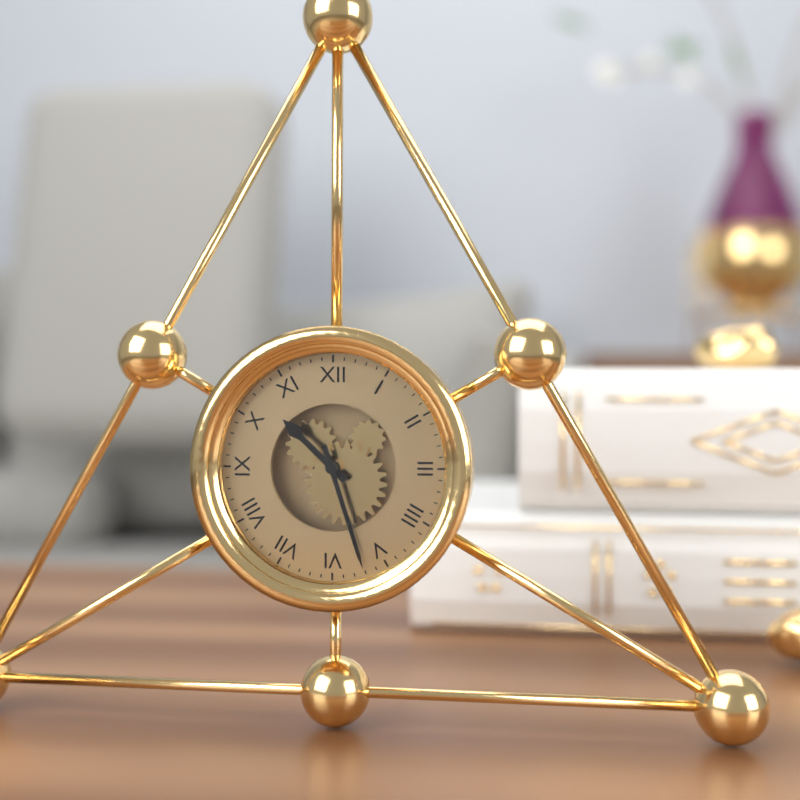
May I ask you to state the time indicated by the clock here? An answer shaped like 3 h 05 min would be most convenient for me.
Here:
10 h 27 min
